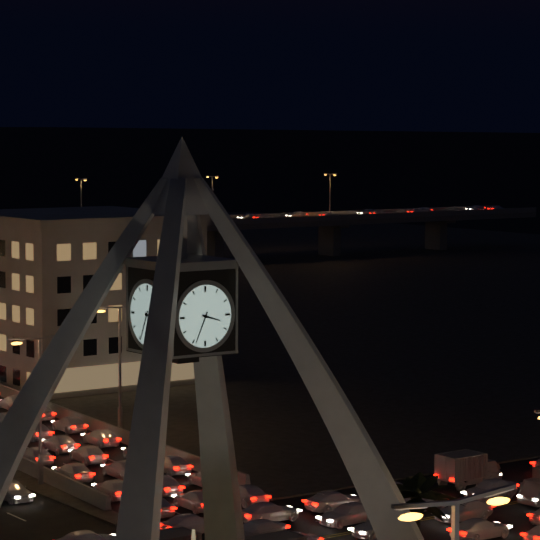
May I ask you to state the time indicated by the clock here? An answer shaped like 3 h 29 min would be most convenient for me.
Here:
3 h 34 min
